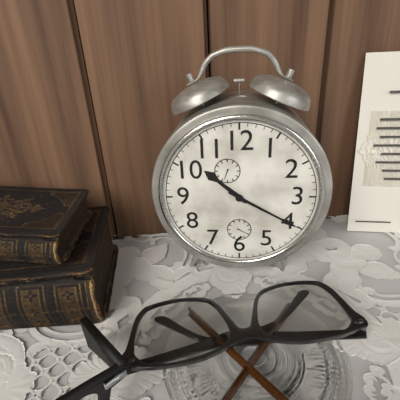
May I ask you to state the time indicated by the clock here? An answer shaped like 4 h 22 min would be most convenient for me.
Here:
10 h 20 min
